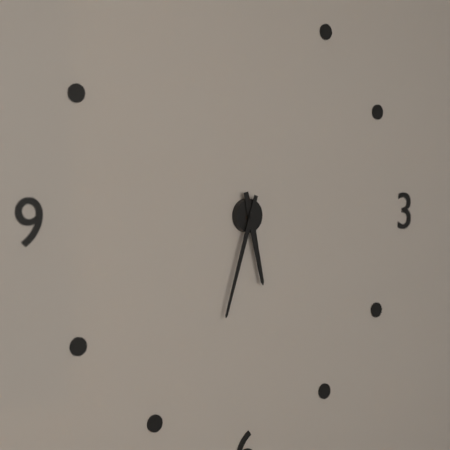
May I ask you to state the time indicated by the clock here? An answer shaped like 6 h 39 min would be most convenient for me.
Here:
5 h 33 min
